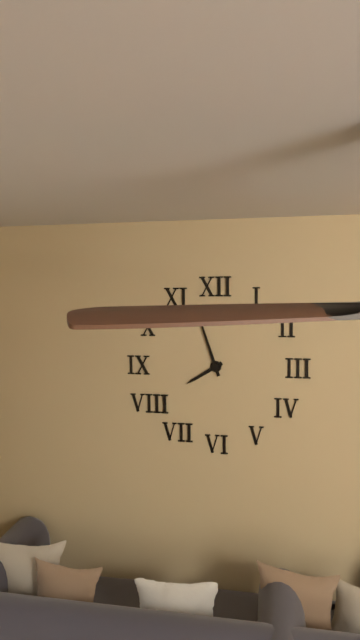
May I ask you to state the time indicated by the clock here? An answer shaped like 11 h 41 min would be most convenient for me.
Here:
7 h 57 min
